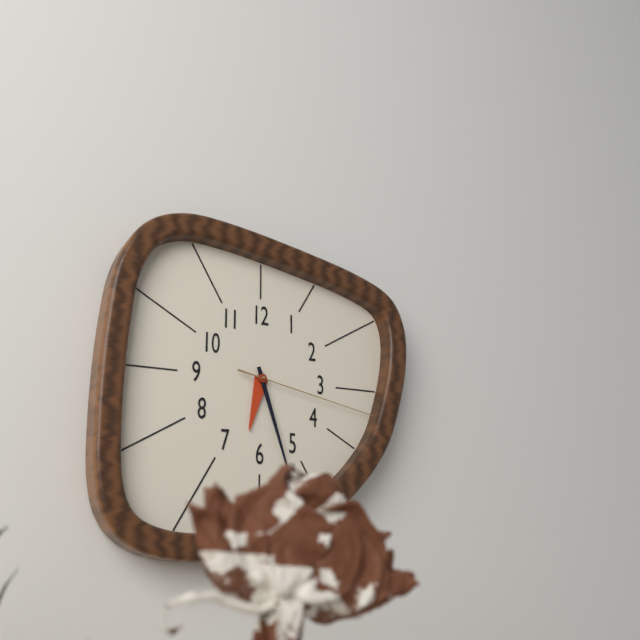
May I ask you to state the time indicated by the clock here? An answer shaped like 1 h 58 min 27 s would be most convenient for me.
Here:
6 h 27 min 17 s
